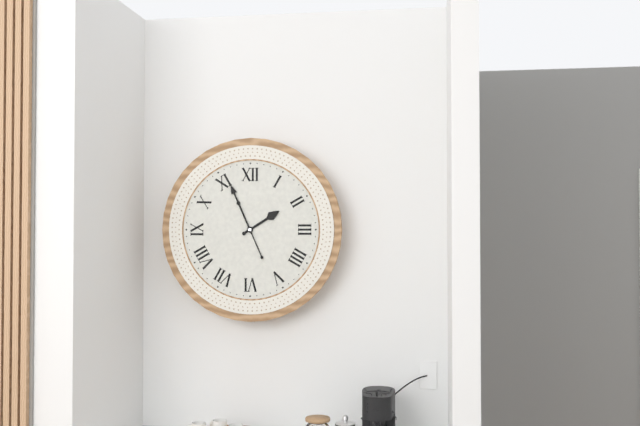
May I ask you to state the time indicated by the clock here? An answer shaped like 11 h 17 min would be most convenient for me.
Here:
1 h 56 min
